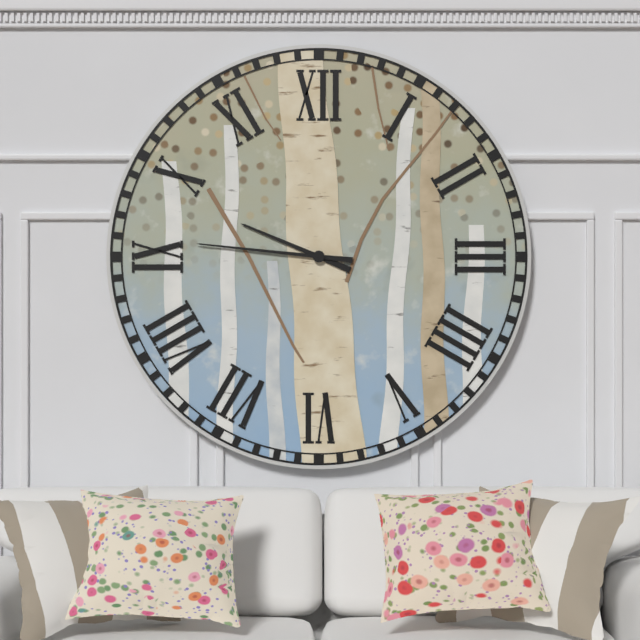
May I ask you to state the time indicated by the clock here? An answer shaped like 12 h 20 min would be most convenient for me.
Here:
9 h 46 min
